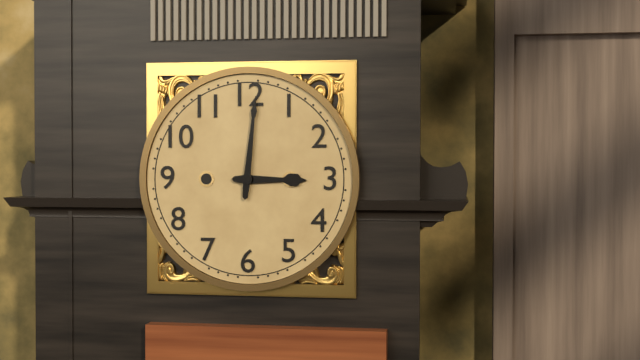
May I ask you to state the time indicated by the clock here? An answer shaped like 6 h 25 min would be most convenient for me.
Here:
3 h 01 min
